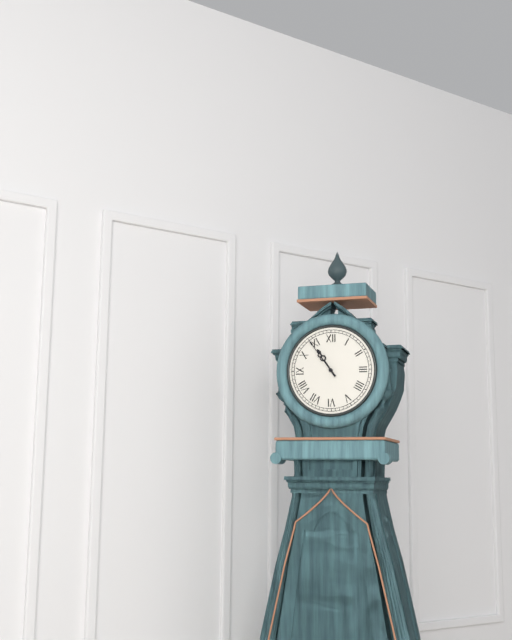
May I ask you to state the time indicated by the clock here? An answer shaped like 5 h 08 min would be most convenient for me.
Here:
10 h 54 min
